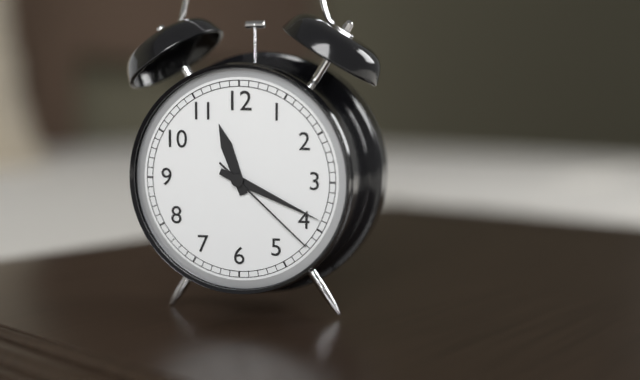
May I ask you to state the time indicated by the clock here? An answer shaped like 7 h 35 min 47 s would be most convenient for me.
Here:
11 h 19 min 22 s
